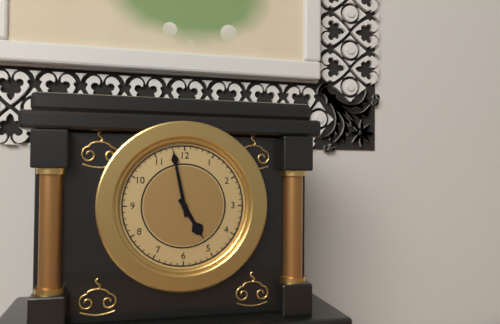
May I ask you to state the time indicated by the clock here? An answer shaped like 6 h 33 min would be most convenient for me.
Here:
4 h 58 min
